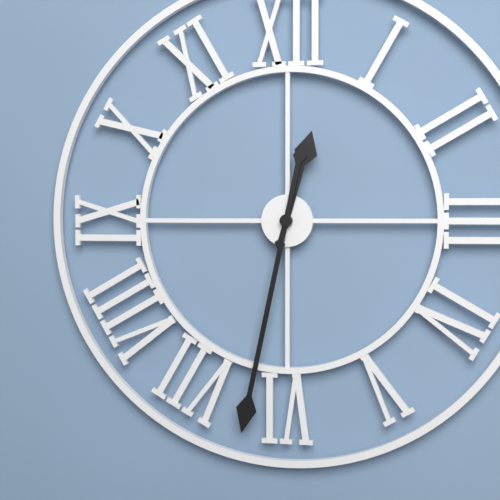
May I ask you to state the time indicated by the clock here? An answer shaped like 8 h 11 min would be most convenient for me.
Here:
12 h 32 min
